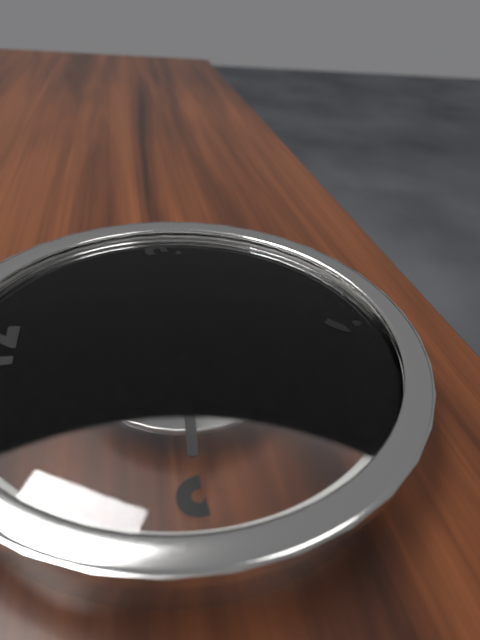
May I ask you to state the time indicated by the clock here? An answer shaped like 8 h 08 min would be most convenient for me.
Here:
9 h 08 min
